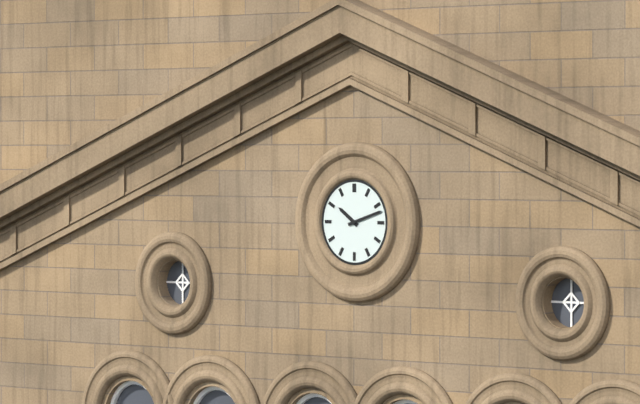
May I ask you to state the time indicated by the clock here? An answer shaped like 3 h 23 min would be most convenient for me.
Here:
10 h 12 min
